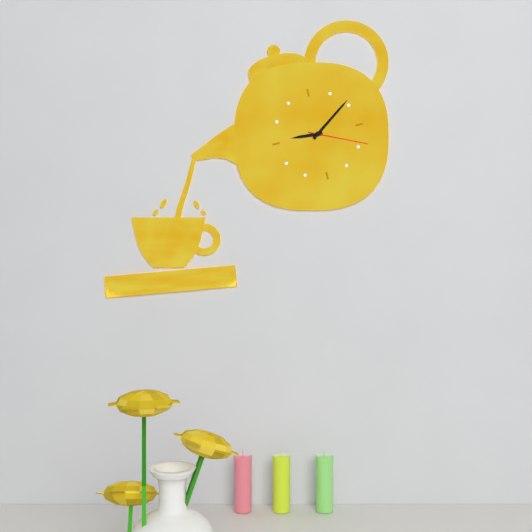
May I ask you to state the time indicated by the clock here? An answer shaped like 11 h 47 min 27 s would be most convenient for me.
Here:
9 h 09 min 19 s
